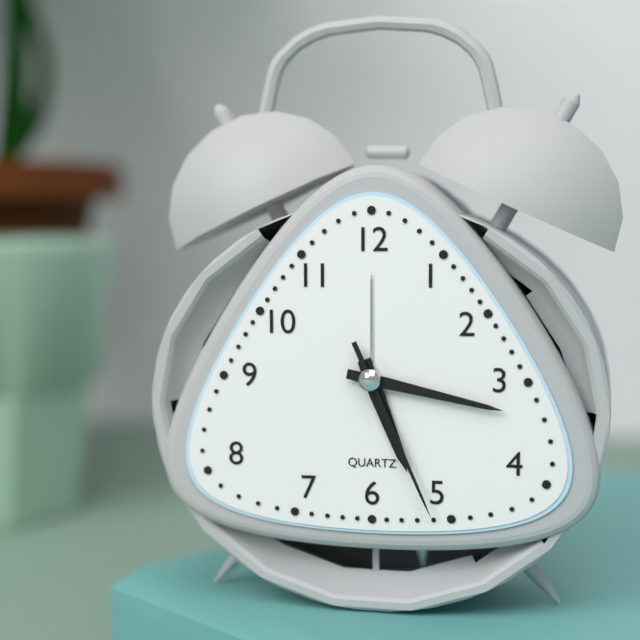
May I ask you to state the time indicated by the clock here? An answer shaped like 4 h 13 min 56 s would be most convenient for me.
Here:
5 h 17 min 26 s
